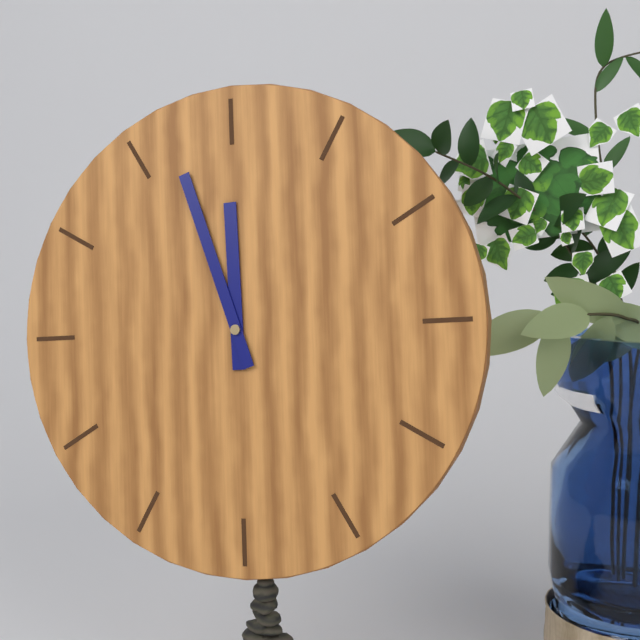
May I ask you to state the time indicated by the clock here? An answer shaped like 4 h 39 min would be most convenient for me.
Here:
11 h 57 min
